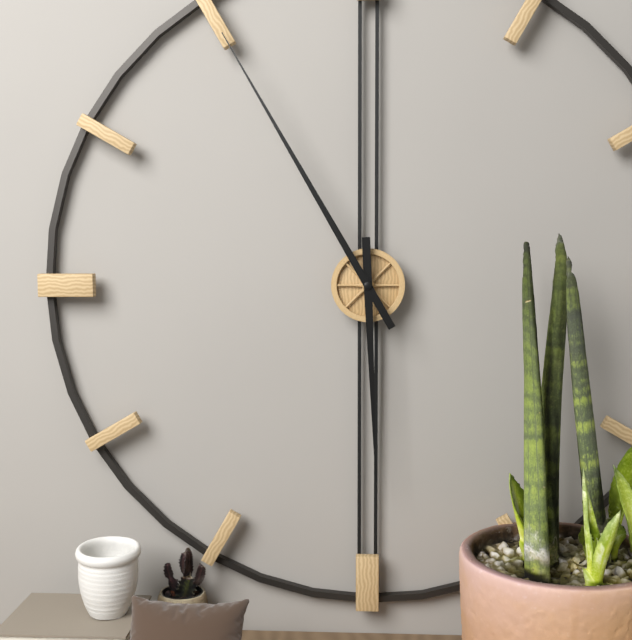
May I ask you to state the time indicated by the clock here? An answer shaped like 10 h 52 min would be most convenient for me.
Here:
5 h 55 min
